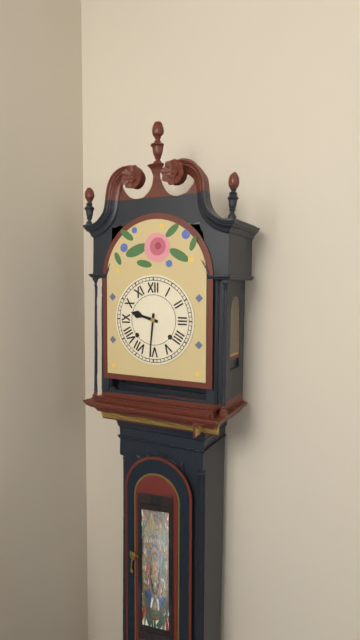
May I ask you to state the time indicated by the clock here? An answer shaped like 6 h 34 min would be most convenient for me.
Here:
9 h 31 min
